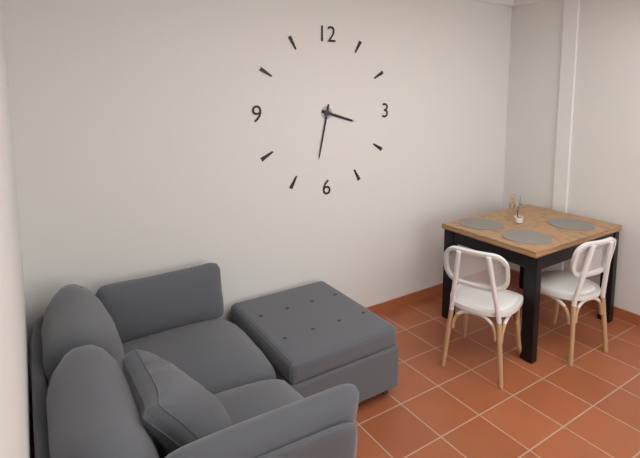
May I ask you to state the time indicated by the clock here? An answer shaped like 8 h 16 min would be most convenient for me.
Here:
3 h 32 min
